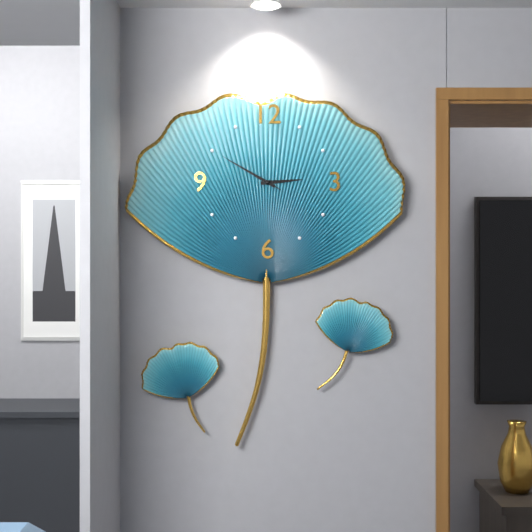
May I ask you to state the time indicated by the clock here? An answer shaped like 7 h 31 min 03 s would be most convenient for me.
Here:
2 h 50 min 50 s
